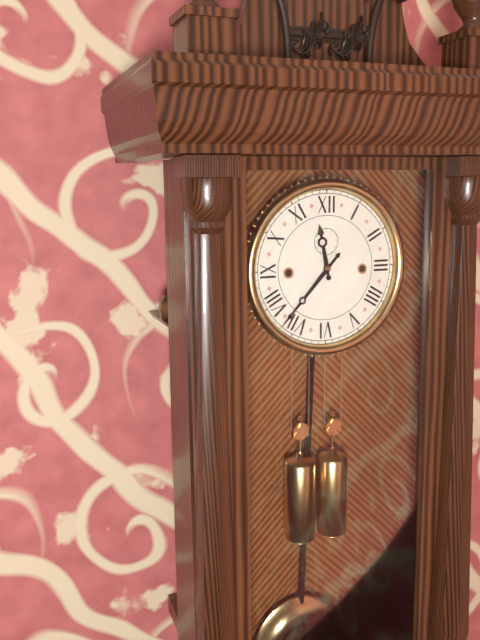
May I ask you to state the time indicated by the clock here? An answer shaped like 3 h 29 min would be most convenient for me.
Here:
11 h 37 min
